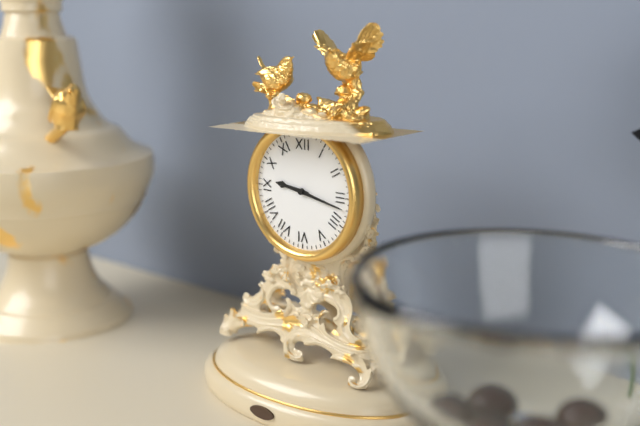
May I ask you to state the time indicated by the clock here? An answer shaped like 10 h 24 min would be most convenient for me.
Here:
9 h 17 min
